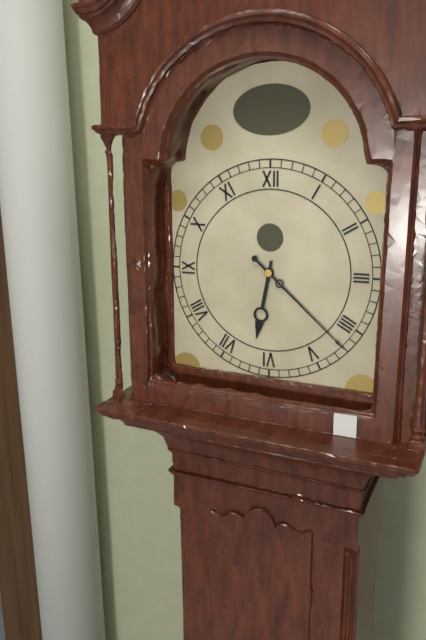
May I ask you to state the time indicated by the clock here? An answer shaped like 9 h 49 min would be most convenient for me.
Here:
6 h 22 min
